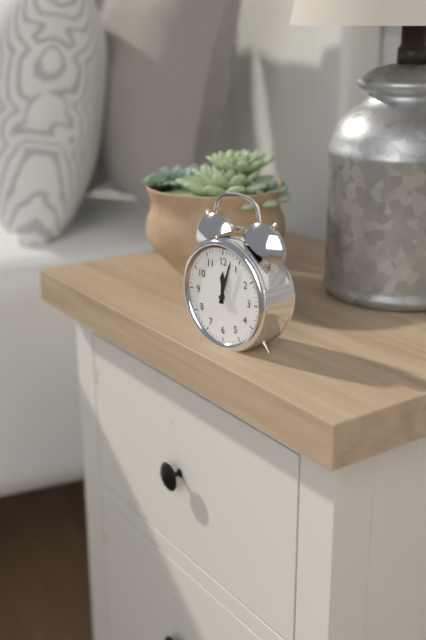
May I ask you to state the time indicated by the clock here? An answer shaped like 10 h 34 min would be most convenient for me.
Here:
12 h 03 min
